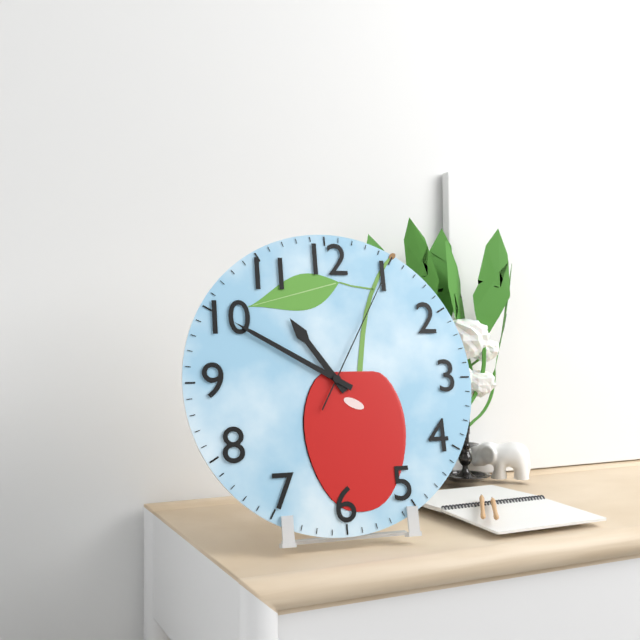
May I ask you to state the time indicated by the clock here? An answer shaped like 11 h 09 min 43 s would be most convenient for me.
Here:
10 h 50 min 05 s
